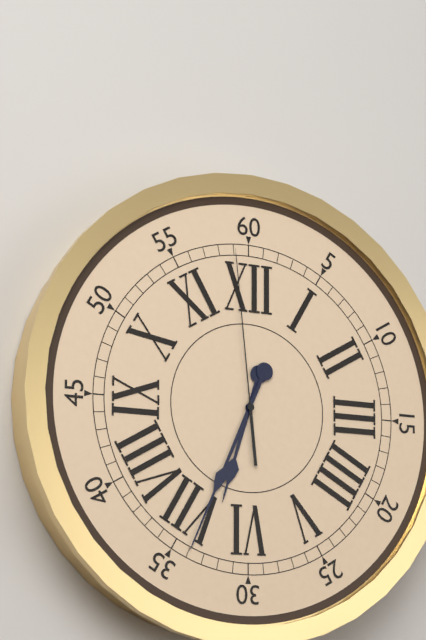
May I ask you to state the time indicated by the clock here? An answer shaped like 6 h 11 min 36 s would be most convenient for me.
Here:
6 h 34 min 59 s
